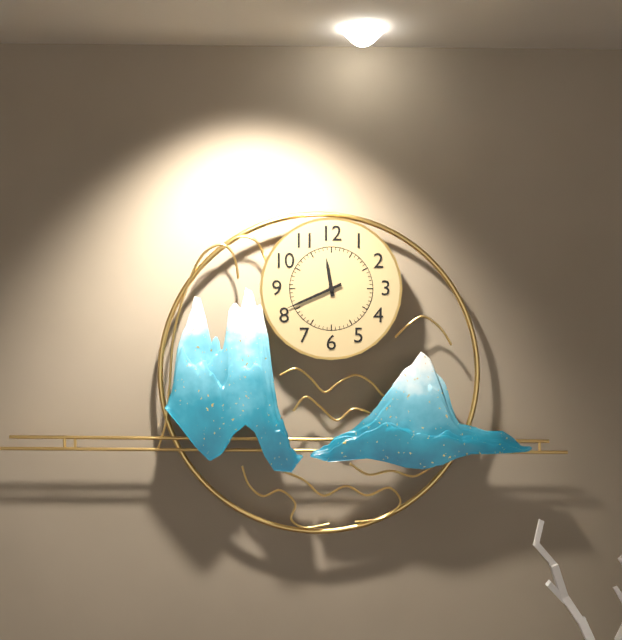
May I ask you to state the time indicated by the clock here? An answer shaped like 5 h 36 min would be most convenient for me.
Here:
11 h 41 min
